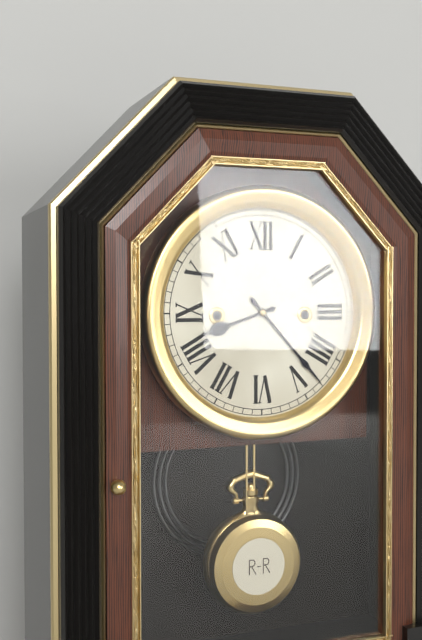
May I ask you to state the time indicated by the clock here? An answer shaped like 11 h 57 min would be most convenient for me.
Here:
8 h 23 min
